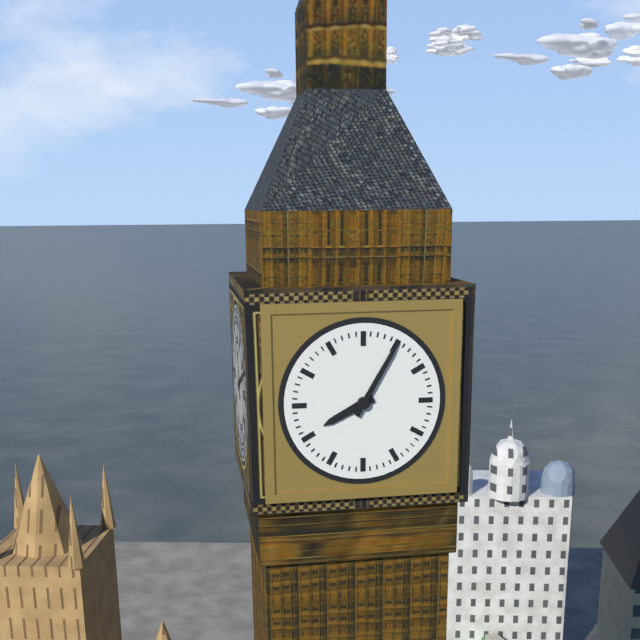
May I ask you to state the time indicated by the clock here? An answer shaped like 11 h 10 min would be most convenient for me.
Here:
8 h 05 min
